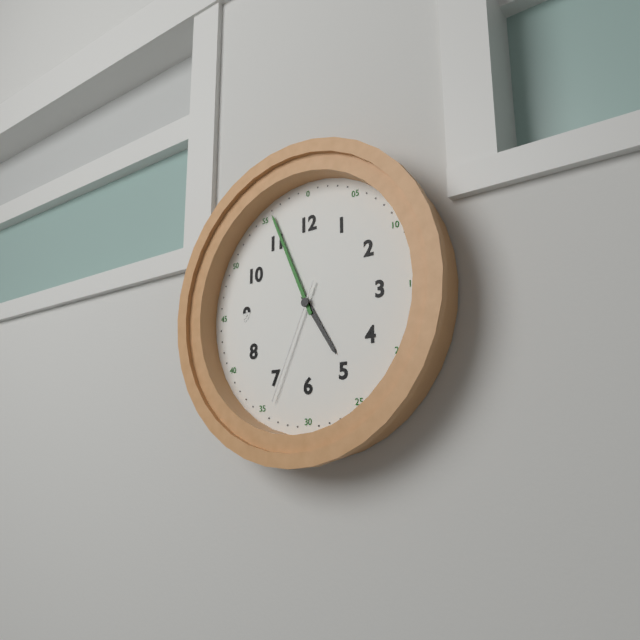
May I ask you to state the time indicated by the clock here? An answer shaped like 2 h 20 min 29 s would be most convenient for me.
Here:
4 h 56 min 34 s
